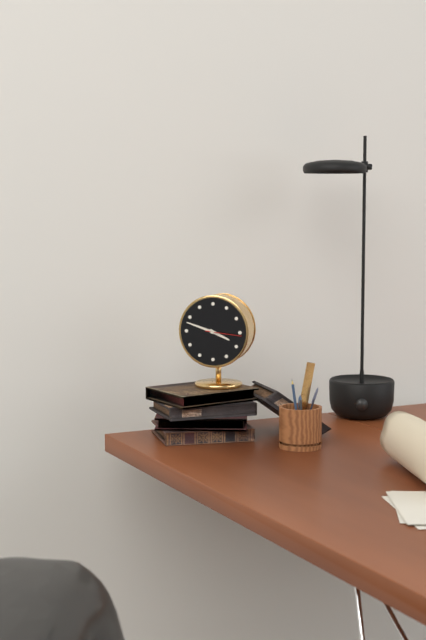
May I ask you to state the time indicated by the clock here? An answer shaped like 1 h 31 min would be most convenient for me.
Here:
3 h 48 min
